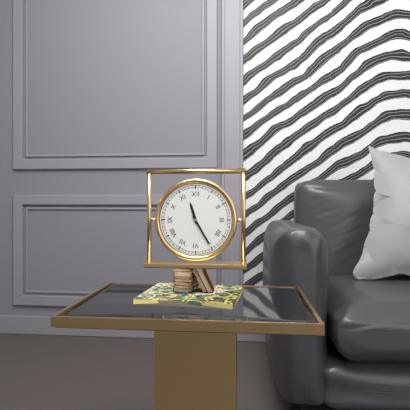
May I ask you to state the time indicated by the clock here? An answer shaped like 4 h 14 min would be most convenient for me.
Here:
11 h 25 min
